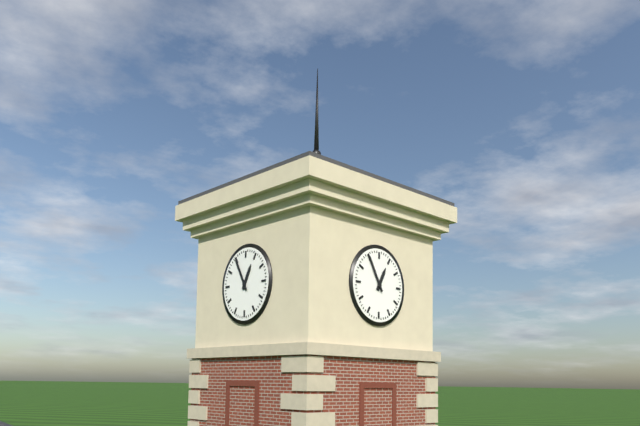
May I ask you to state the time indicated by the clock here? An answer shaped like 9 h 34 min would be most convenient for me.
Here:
12 h 55 min
